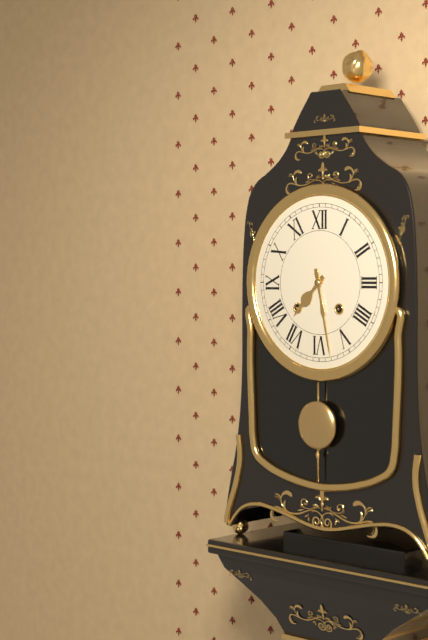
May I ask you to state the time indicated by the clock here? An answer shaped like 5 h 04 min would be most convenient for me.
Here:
7 h 28 min
